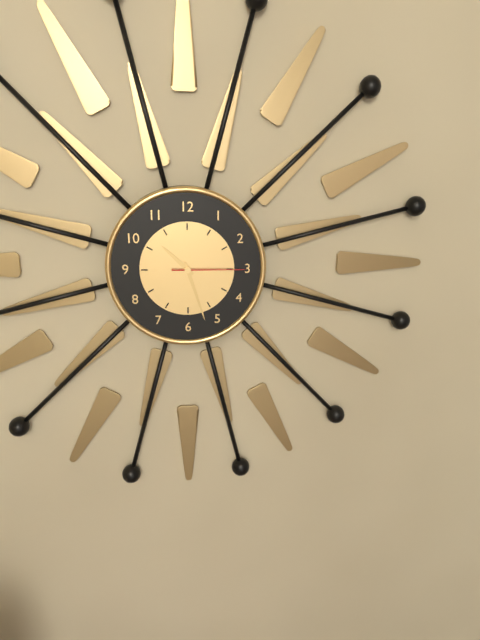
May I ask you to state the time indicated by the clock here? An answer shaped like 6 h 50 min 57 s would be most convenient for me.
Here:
10 h 27 min 15 s
